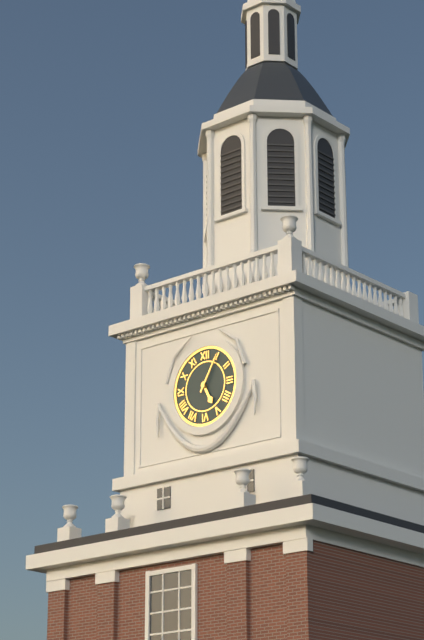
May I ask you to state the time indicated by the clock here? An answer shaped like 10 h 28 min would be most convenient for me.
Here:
5 h 05 min
